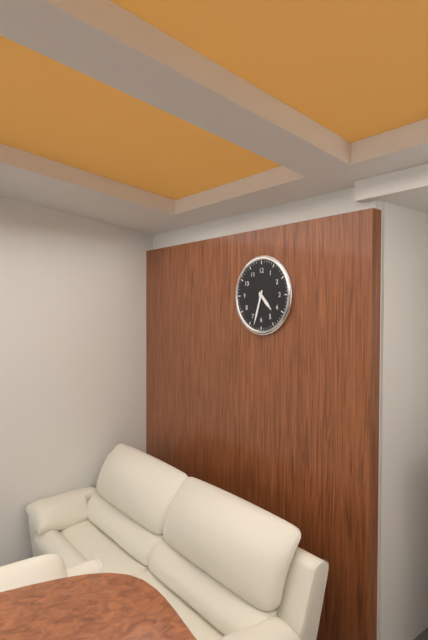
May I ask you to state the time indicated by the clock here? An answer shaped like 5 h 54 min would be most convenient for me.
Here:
4 h 33 min
